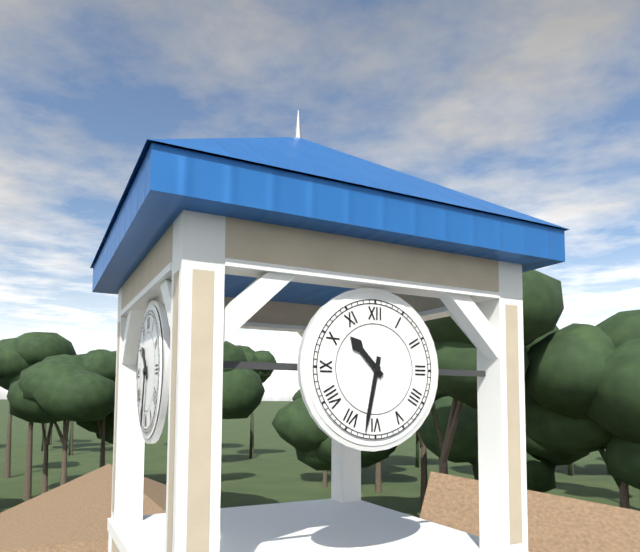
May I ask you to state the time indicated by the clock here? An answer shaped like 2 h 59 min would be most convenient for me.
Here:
10 h 32 min
